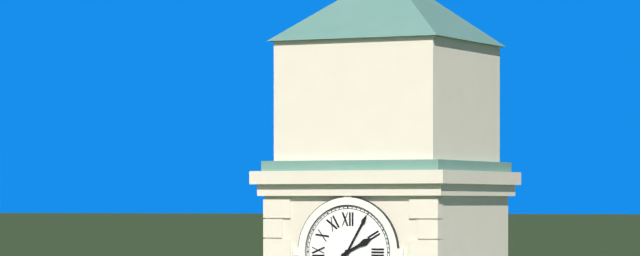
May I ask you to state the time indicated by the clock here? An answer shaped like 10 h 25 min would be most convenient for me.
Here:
2 h 05 min
